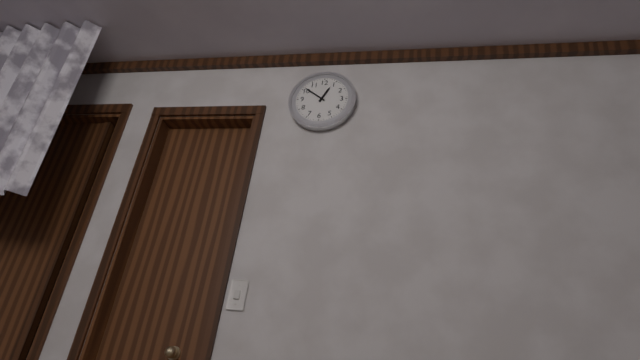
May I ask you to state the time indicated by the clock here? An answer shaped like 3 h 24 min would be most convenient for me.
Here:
12 h 51 min
